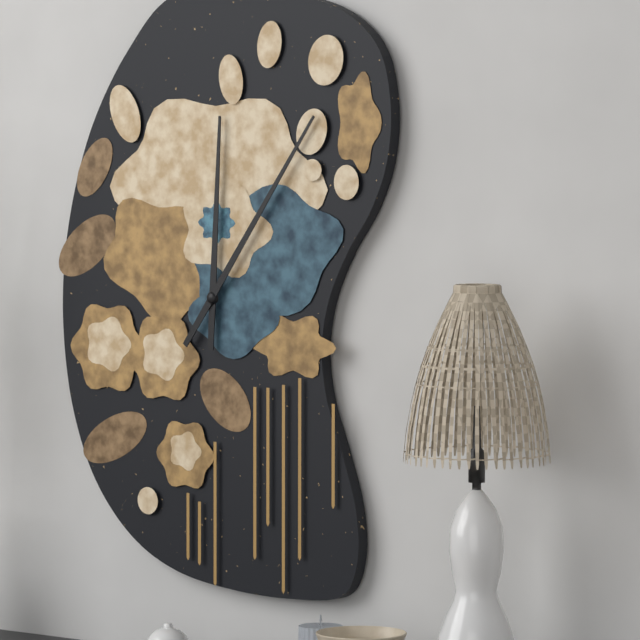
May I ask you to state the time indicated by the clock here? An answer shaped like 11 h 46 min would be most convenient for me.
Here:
12 h 06 min
